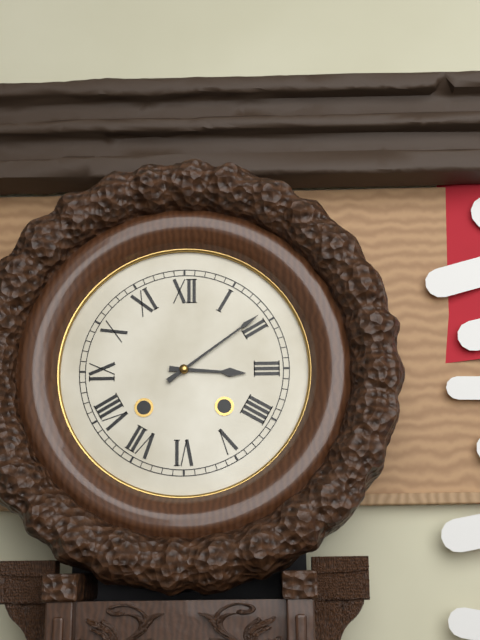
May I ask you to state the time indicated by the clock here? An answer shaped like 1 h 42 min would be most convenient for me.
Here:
3 h 09 min
